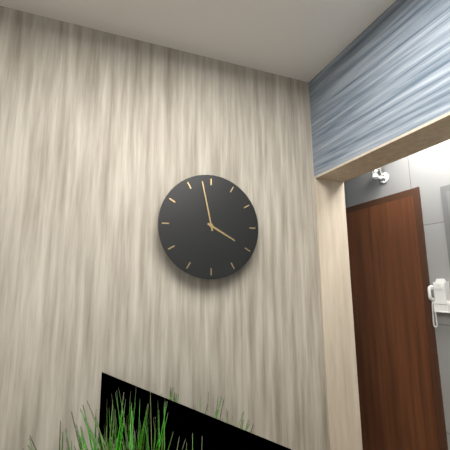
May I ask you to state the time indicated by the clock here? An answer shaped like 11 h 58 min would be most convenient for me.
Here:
3 h 58 min
